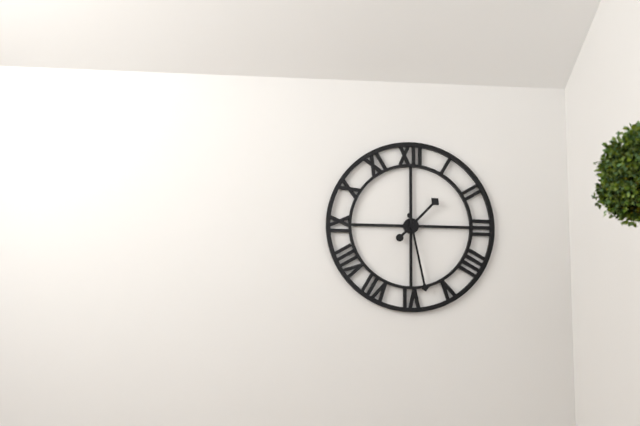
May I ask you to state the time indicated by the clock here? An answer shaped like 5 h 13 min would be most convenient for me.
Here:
1 h 28 min
